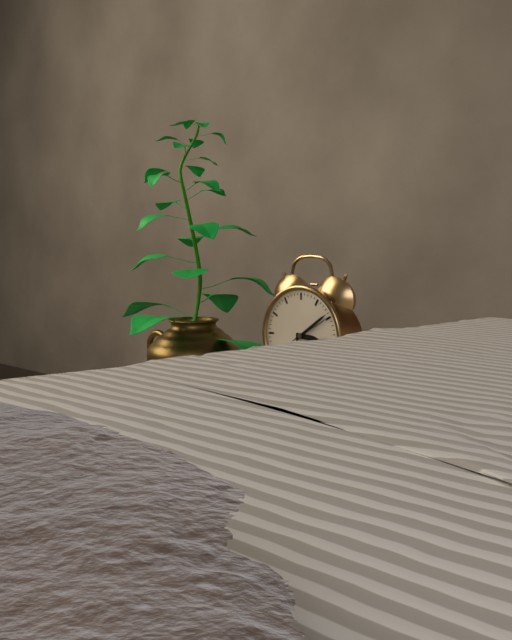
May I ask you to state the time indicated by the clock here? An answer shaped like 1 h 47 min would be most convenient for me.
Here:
3 h 09 min
